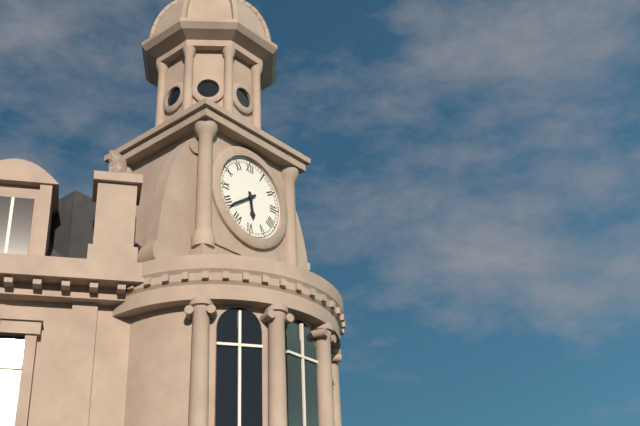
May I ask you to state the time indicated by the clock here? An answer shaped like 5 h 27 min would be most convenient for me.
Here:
5 h 39 min
